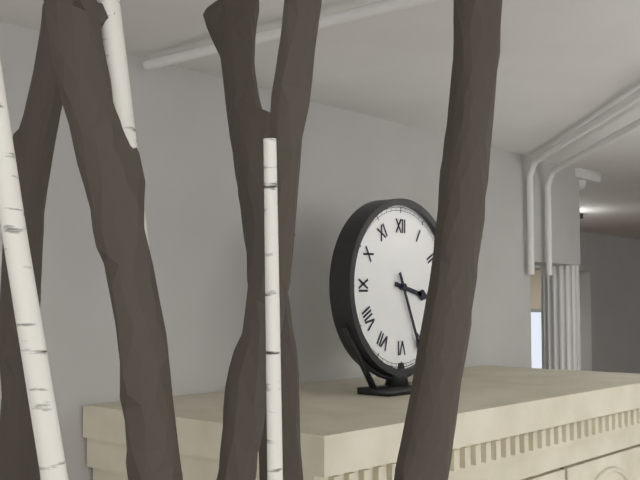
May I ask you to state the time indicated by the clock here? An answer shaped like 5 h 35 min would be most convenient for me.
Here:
3 h 26 min
